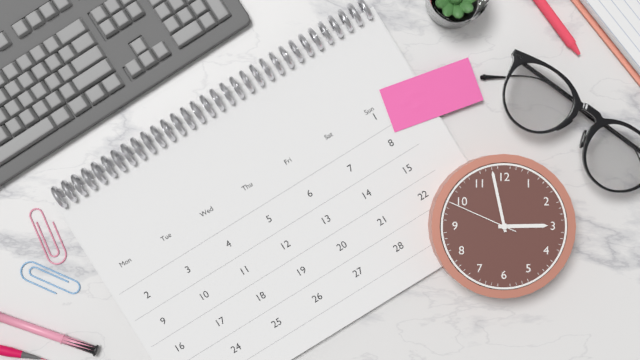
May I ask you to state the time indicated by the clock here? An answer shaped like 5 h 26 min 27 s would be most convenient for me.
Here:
2 h 58 min 49 s
